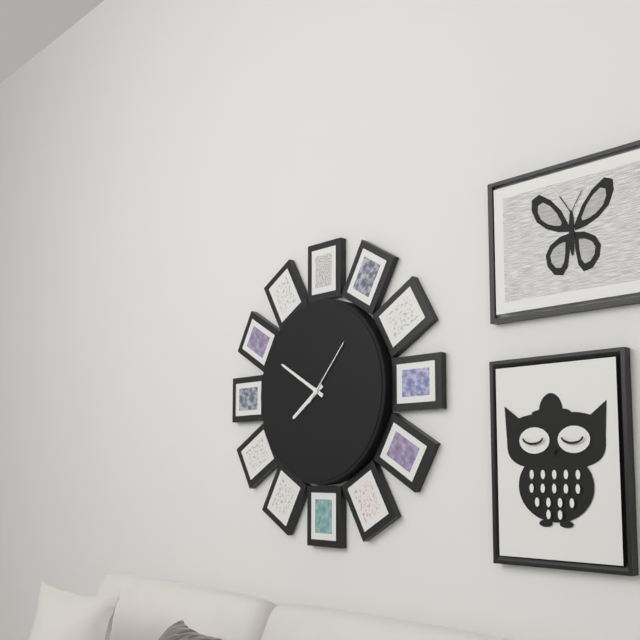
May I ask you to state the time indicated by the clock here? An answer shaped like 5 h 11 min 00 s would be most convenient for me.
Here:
7 h 50 min 07 s
